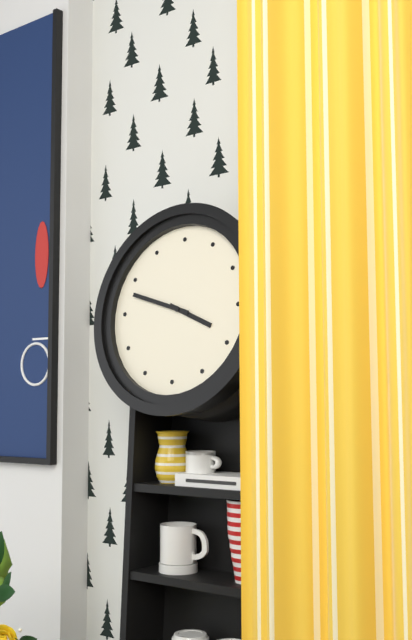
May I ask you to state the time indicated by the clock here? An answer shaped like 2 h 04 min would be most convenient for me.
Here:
3 h 48 min
